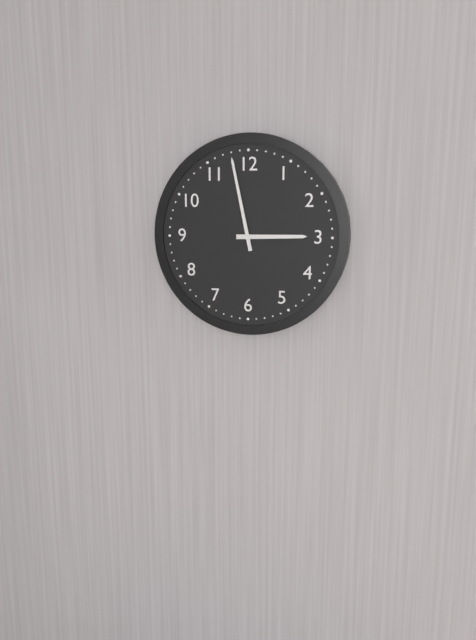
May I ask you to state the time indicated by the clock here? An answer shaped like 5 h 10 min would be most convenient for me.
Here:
2 h 58 min
